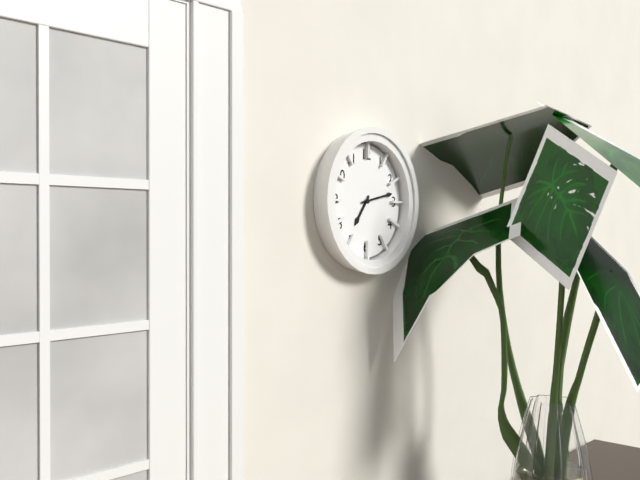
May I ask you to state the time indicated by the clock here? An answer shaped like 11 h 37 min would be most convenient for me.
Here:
7 h 13 min
